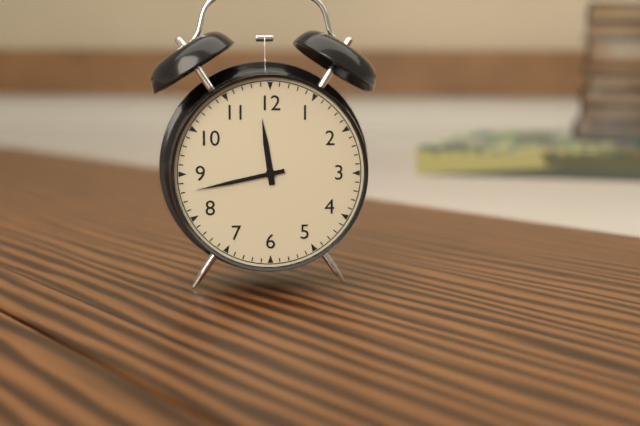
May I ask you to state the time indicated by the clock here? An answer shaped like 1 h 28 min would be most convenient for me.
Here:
11 h 43 min
